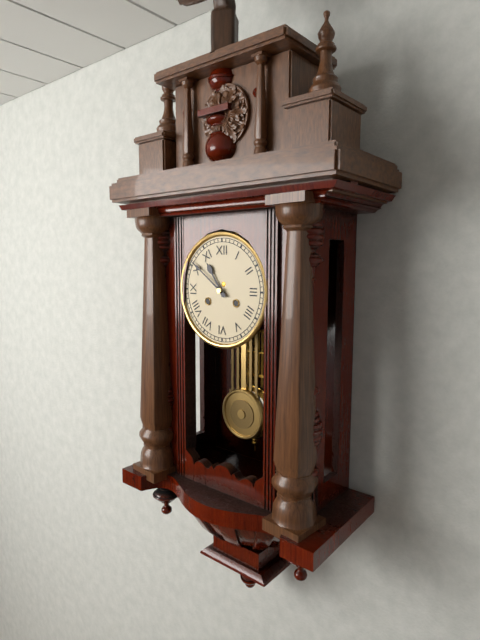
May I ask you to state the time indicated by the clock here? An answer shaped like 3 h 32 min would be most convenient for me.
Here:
10 h 51 min
